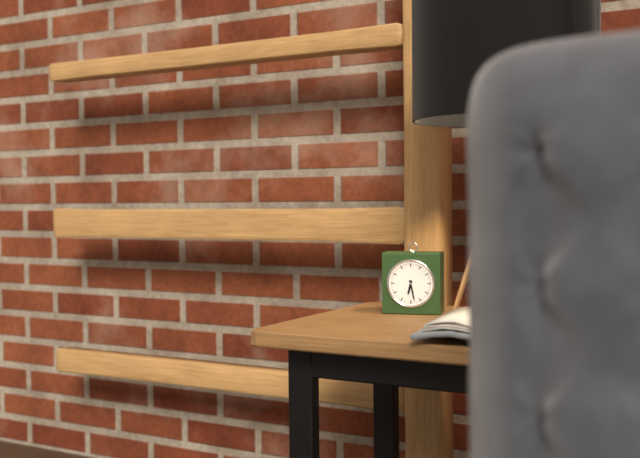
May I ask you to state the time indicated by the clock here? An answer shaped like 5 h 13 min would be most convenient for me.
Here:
6 h 28 min
